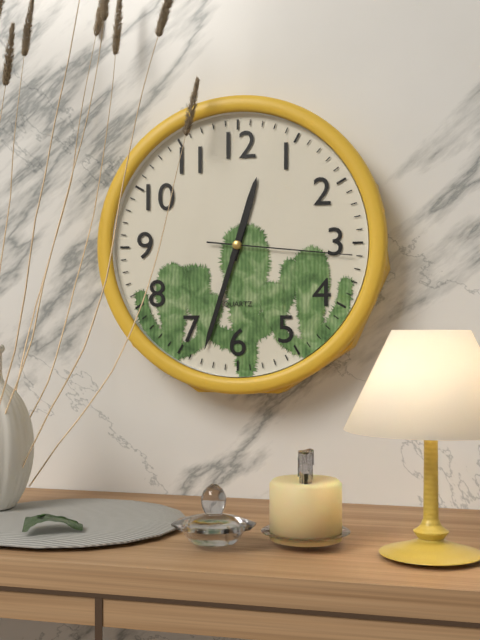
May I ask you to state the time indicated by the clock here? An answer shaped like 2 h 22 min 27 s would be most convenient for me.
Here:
12 h 33 min 16 s
